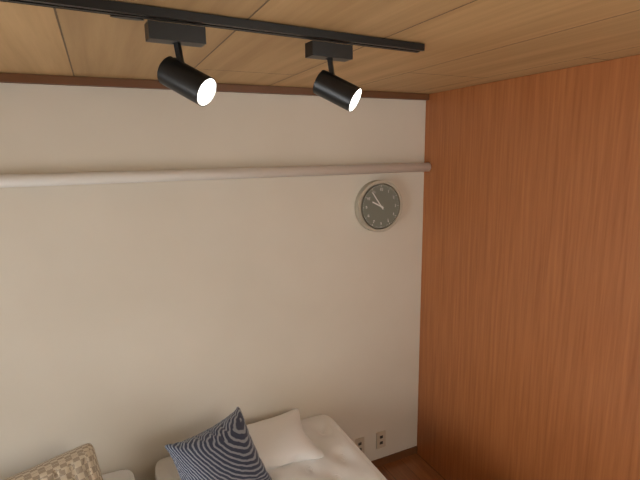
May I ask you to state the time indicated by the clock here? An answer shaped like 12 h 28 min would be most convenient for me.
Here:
9 h 54 min
